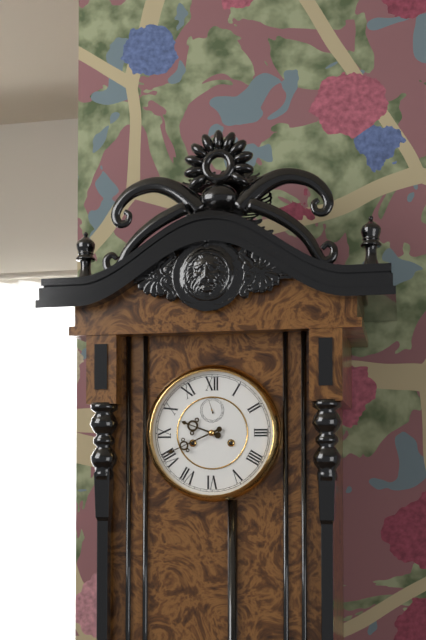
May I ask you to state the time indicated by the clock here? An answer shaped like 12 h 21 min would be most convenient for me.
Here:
9 h 41 min
